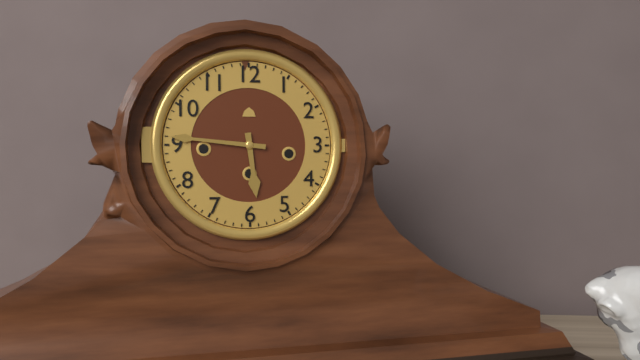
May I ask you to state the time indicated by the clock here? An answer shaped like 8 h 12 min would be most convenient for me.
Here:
5 h 46 min
